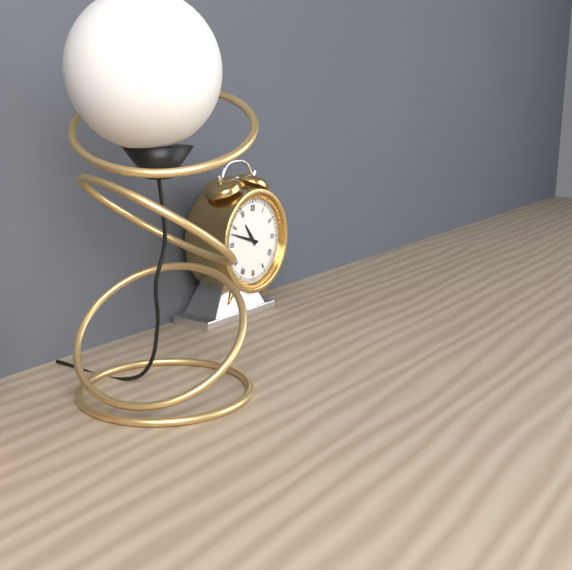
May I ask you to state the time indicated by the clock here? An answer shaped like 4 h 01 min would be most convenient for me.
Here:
10 h 48 min
